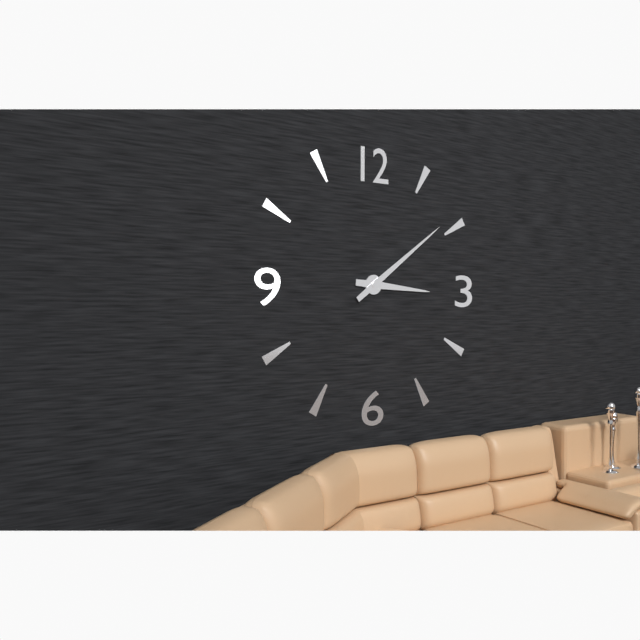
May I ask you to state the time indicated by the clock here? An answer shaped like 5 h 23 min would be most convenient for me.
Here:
3 h 09 min
